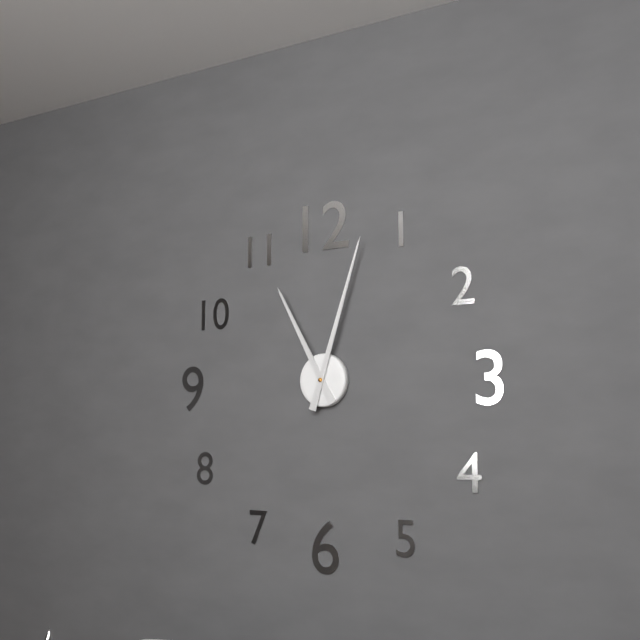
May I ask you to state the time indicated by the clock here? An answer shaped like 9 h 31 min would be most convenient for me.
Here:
11 h 03 min
